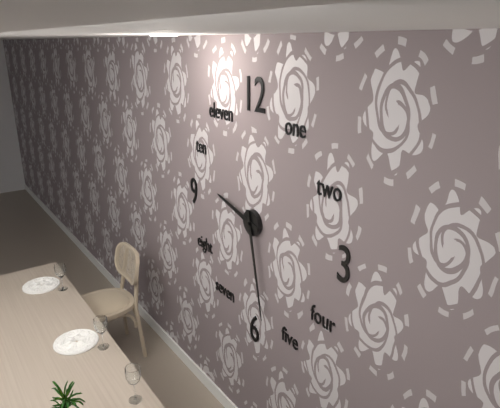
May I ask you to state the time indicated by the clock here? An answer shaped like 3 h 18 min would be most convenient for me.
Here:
9 h 28 min
